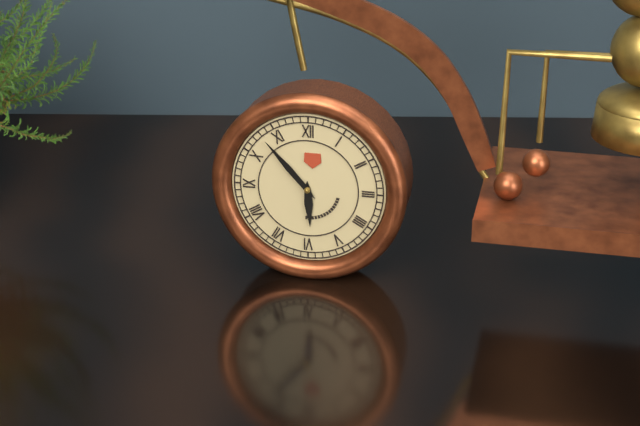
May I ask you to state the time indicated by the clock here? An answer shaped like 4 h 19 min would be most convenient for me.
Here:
5 h 53 min
